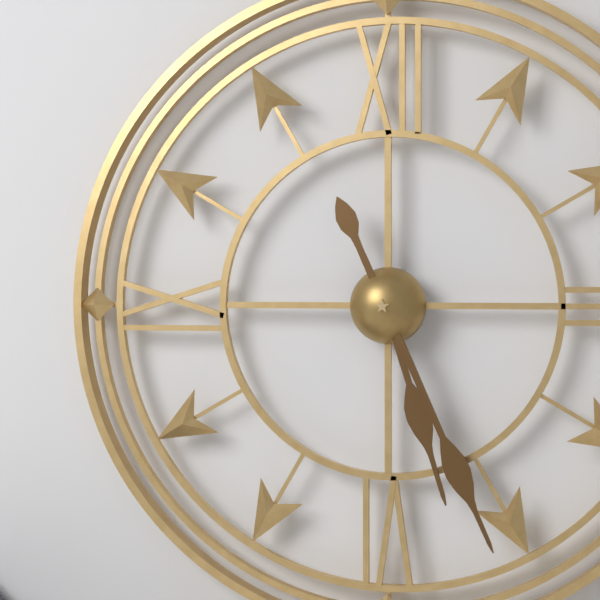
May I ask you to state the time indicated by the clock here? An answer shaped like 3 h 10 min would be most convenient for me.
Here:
5 h 26 min
